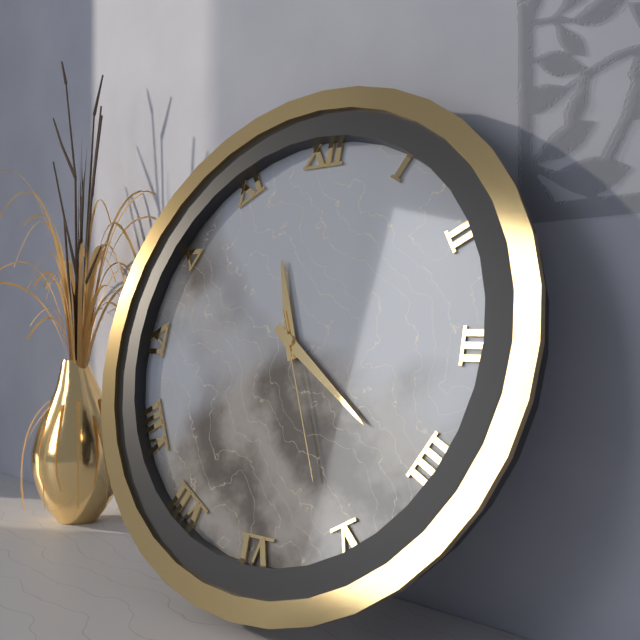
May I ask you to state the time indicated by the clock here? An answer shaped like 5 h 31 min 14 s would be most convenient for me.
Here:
11 h 21 min 26 s
